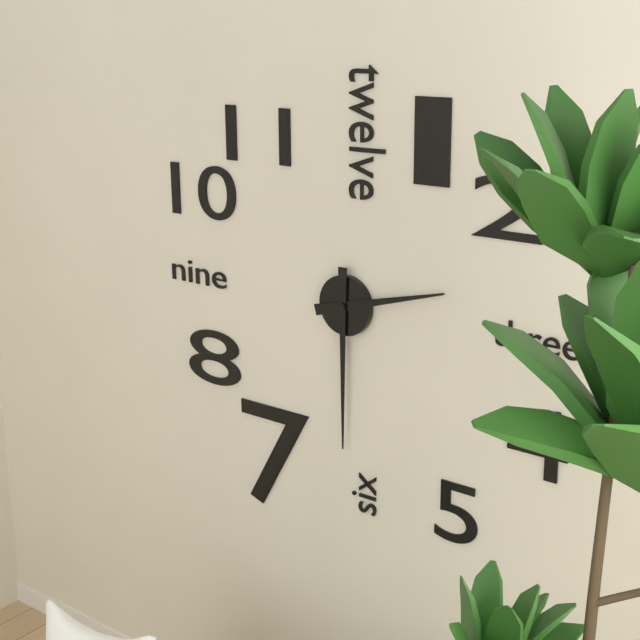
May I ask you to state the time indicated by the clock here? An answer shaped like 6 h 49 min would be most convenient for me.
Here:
2 h 30 min
